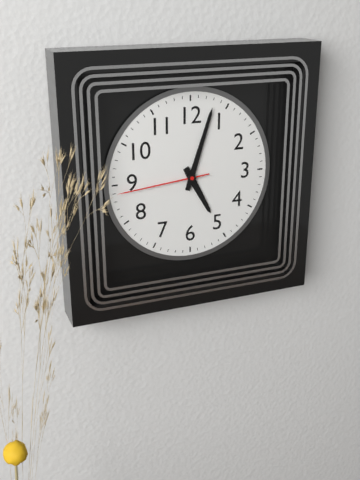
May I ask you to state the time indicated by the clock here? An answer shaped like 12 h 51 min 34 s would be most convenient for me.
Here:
5 h 03 min 44 s
